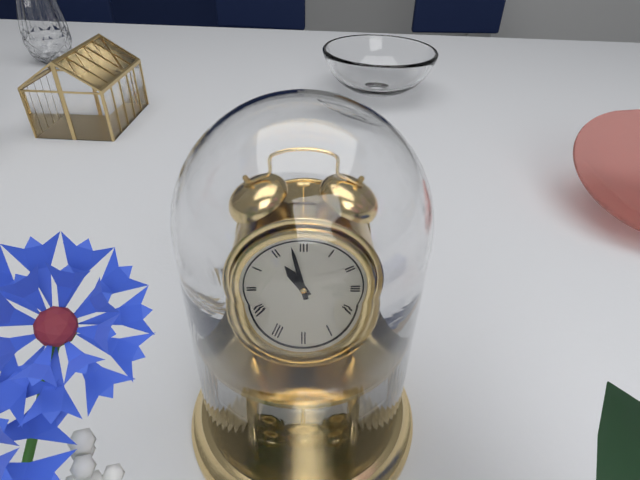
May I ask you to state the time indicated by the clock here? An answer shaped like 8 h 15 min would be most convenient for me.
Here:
10 h 58 min
